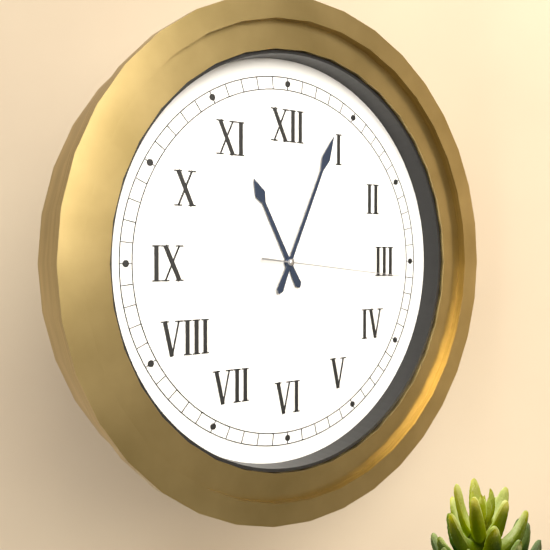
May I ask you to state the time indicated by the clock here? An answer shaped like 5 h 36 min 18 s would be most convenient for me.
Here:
11 h 04 min 16 s
